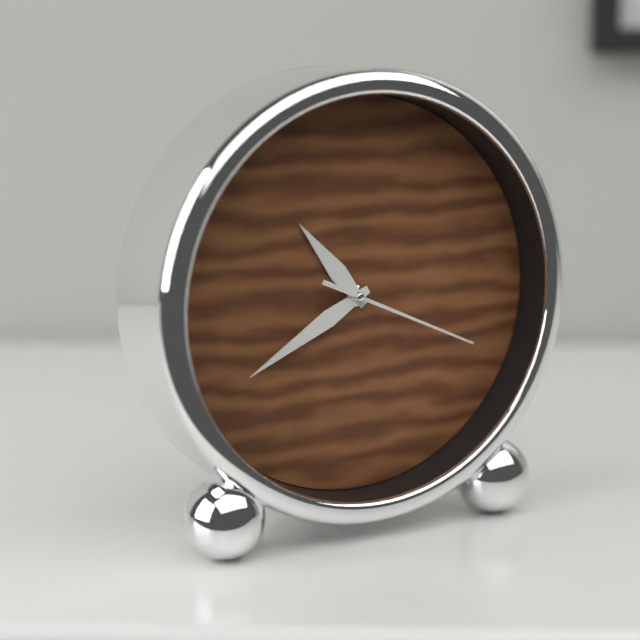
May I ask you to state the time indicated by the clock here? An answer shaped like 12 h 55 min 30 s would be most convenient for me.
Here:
10 h 40 min 19 s
